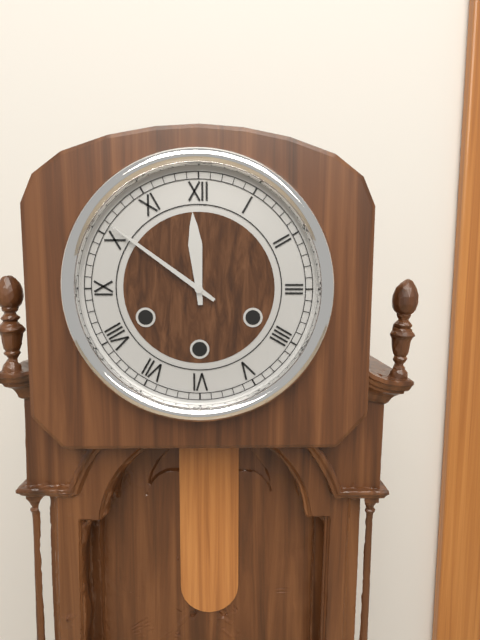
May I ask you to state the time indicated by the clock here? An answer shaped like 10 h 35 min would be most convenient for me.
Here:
11 h 51 min
